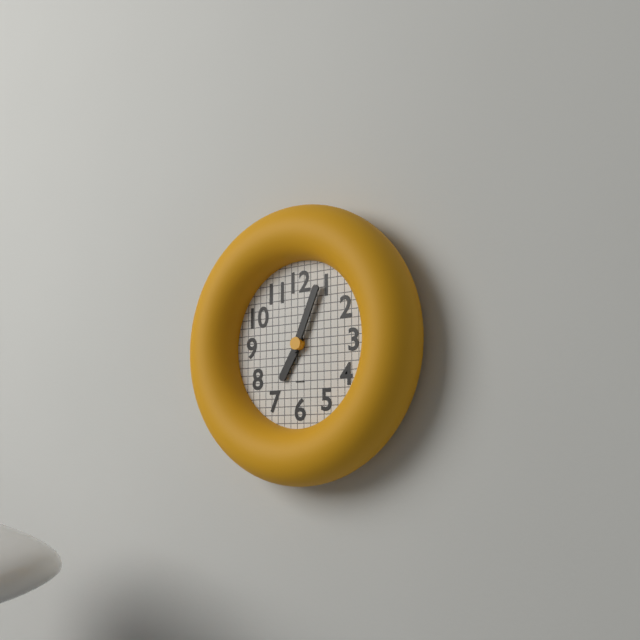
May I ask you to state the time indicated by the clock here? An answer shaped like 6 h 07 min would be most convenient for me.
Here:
7 h 04 min
